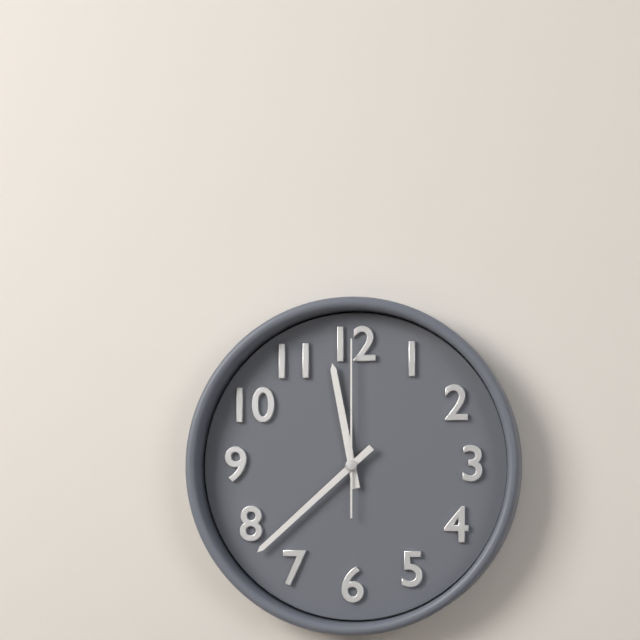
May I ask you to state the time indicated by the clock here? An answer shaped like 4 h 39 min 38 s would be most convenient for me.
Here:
11 h 38 min 00 s
